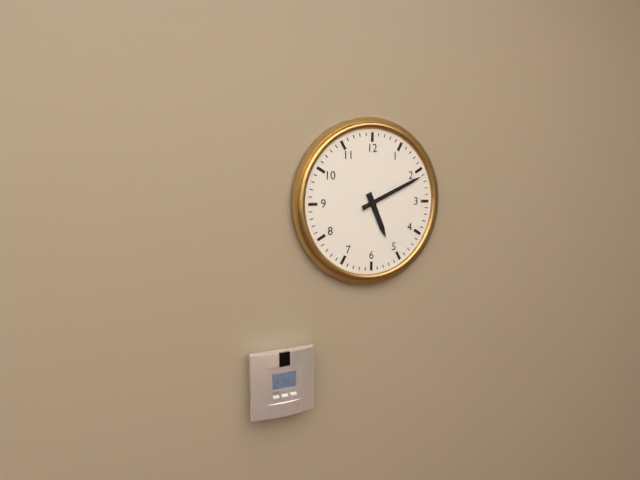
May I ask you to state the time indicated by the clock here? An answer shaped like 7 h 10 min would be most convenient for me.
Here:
5 h 11 min
